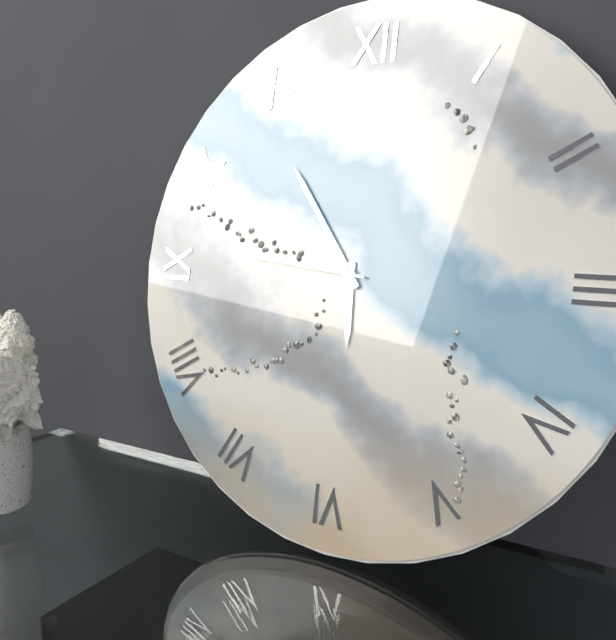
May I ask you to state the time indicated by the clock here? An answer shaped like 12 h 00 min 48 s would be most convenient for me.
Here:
5 h 54 min 46 s
